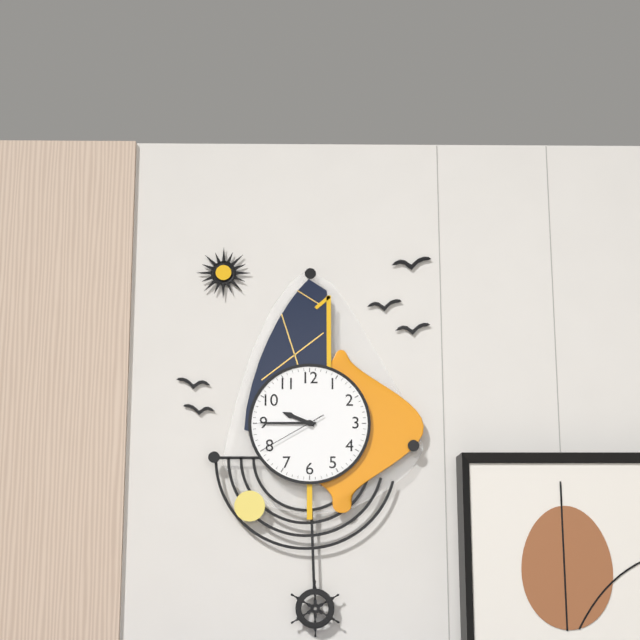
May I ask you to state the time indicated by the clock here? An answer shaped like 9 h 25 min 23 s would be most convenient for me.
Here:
9 h 45 min 40 s
